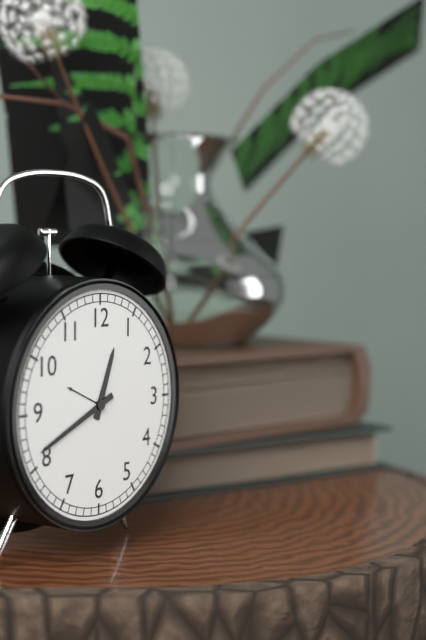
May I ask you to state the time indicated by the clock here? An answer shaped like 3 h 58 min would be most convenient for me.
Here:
12 h 41 min
